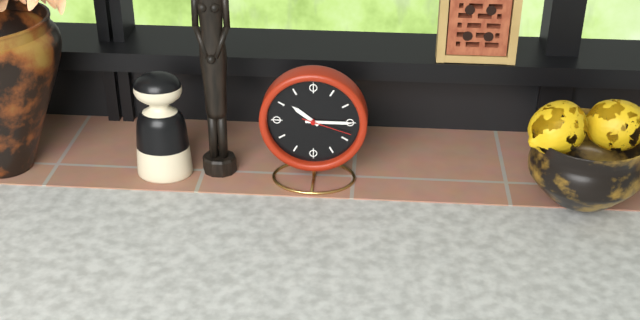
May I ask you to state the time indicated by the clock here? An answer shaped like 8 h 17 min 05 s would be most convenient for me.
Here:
10 h 15 min 18 s
